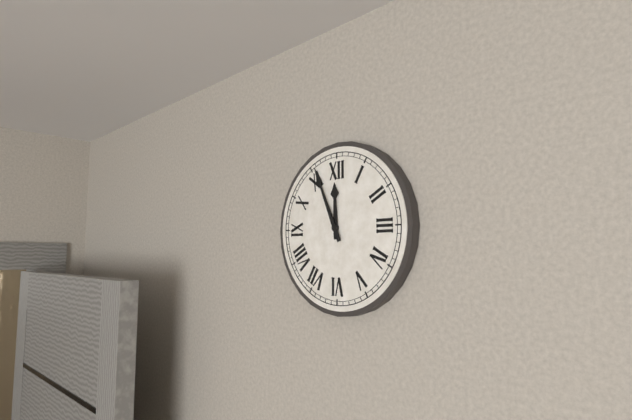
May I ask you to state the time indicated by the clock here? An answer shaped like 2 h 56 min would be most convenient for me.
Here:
11 h 56 min
